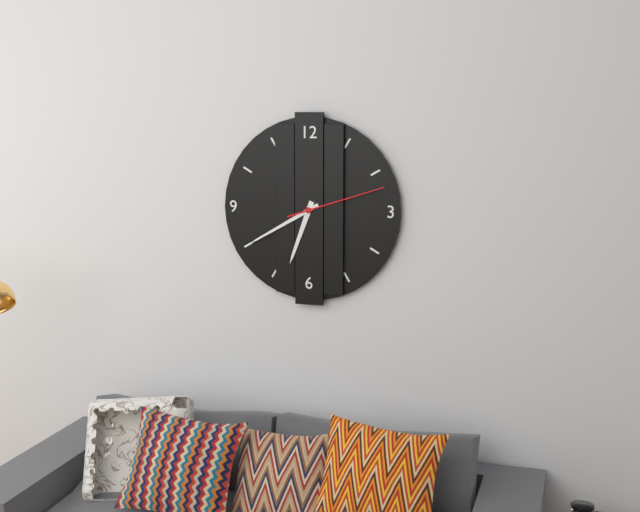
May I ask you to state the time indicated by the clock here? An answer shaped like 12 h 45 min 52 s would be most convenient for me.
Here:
6 h 40 min 12 s
